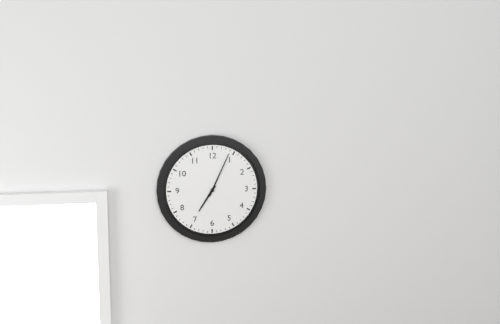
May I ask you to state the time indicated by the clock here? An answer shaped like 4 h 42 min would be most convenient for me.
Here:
7 h 04 min
